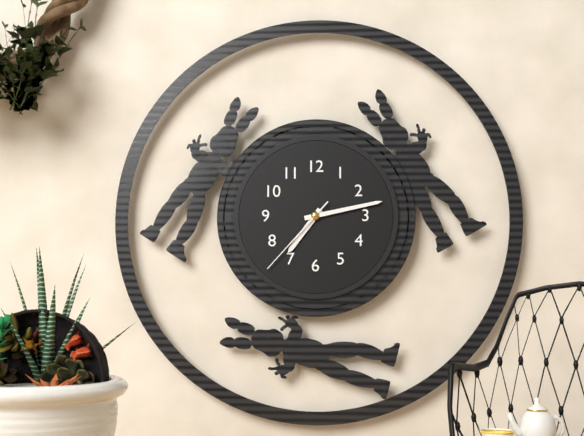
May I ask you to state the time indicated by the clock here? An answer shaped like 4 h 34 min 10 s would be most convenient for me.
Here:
7 h 13 min 37 s
